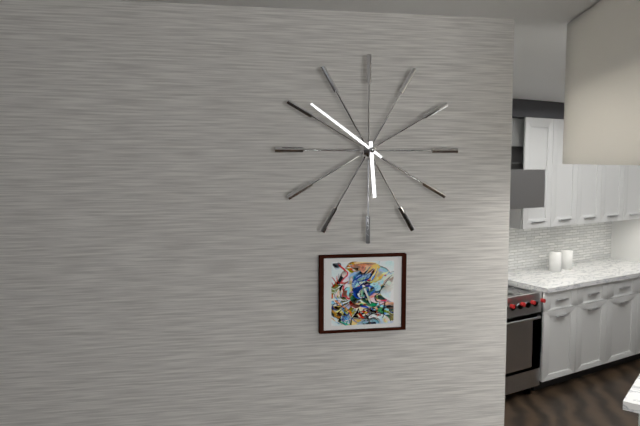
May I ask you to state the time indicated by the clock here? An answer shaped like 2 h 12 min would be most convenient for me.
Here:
5 h 51 min
